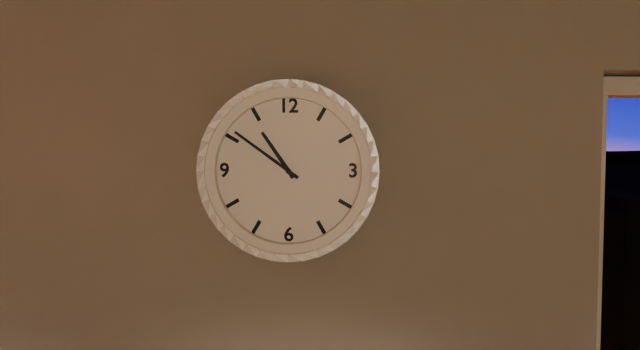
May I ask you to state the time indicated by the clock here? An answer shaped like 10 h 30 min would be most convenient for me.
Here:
10 h 51 min
